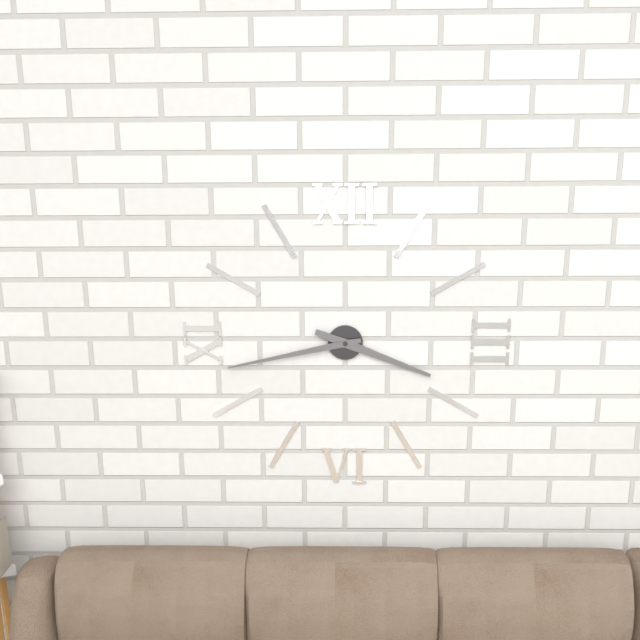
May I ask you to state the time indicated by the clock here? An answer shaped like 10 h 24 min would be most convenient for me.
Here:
3 h 43 min
